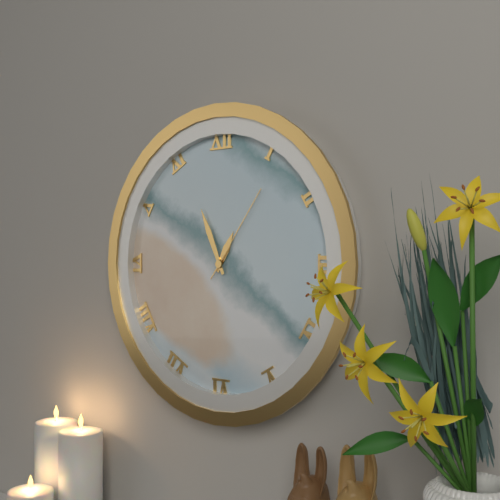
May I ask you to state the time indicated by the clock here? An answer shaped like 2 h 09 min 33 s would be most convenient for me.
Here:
12 h 56 min 06 s
